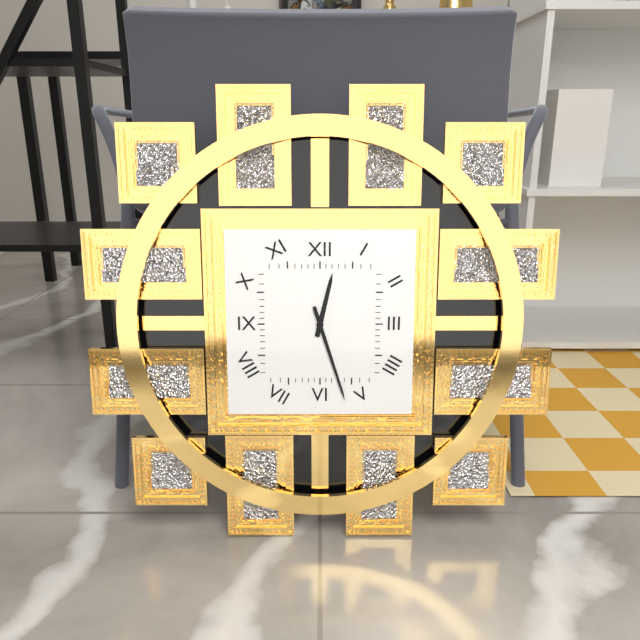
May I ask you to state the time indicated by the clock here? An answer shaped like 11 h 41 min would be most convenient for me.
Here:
12 h 27 min
